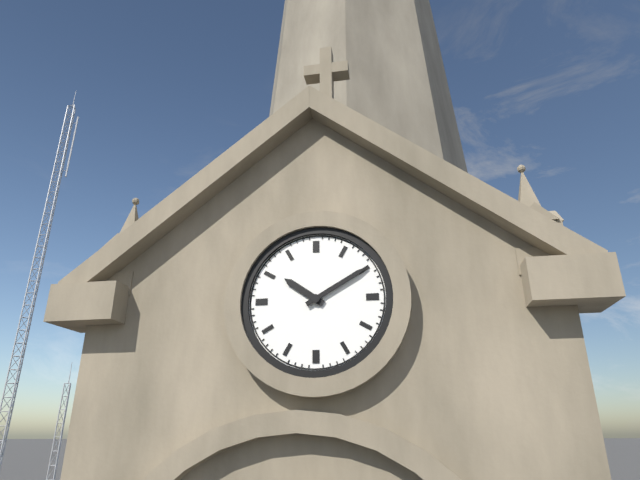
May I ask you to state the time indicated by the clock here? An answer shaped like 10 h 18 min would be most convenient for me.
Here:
10 h 10 min
